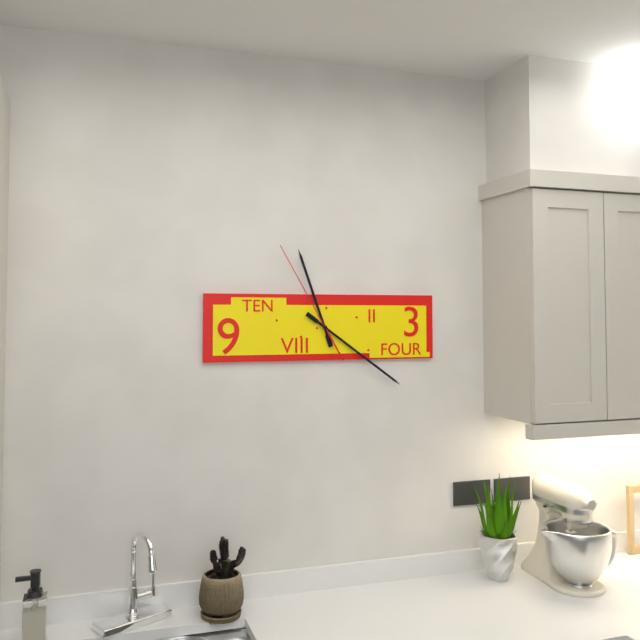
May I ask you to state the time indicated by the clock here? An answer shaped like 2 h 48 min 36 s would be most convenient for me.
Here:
11 h 21 min 55 s
